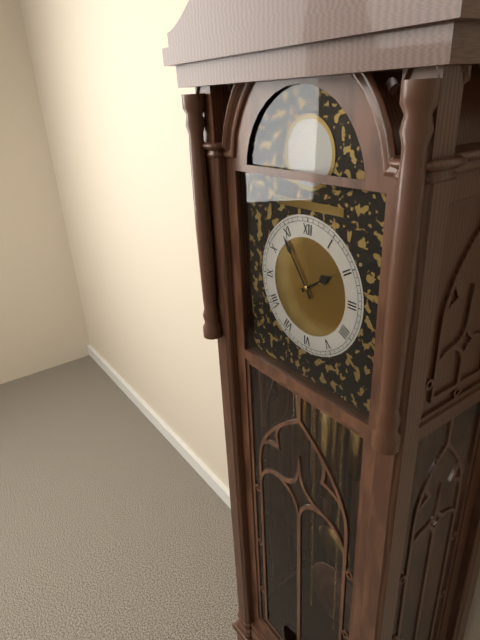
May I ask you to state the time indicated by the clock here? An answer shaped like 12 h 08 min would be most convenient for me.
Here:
1 h 54 min
